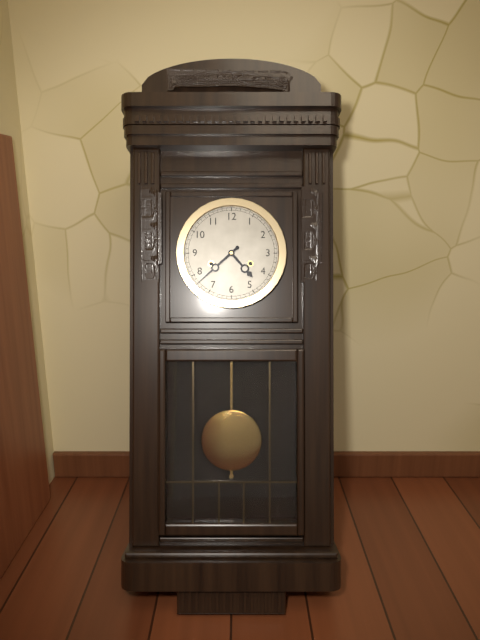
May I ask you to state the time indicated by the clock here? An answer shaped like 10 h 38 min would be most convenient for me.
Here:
4 h 38 min
